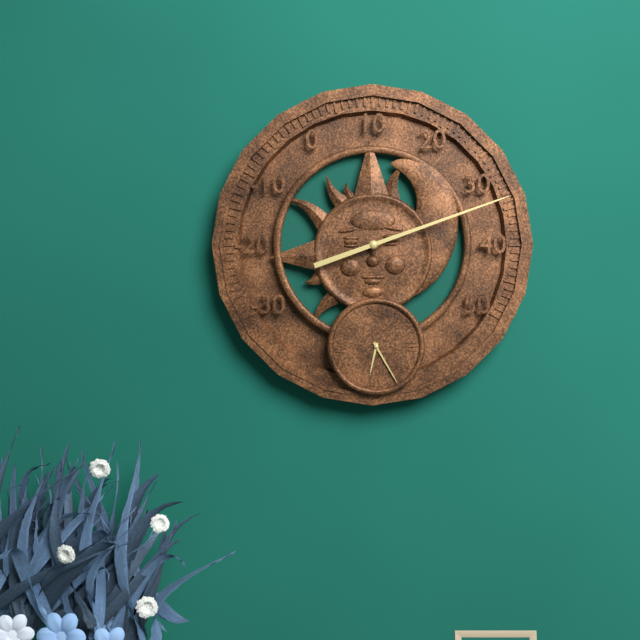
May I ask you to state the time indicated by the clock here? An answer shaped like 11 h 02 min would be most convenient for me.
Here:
6 h 25 min
